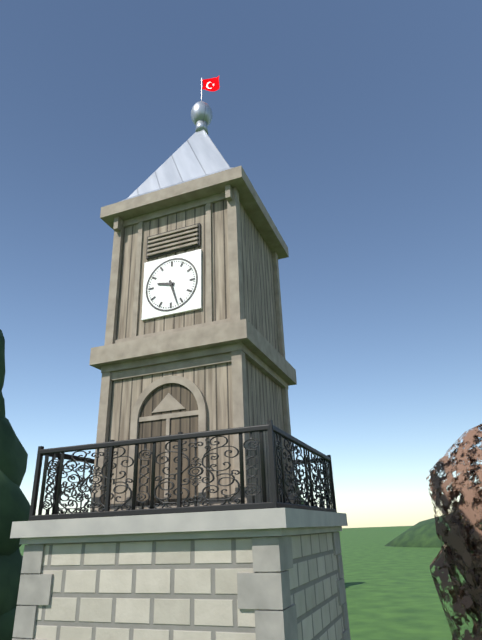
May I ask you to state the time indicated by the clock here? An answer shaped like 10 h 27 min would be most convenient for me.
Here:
9 h 27 min
